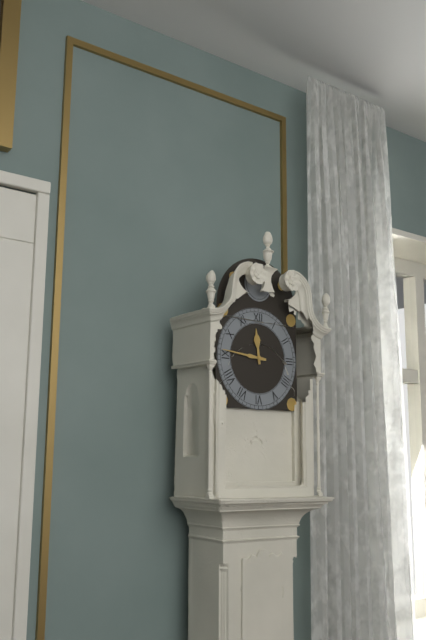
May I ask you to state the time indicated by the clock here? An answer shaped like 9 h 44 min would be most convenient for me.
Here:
11 h 46 min
